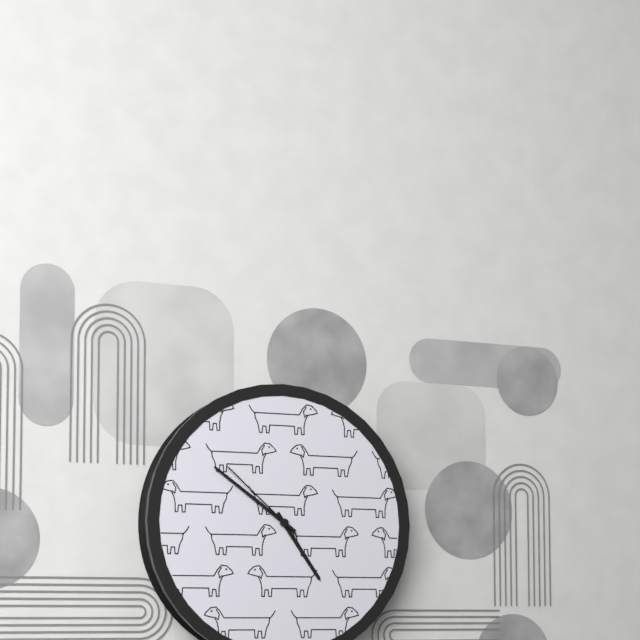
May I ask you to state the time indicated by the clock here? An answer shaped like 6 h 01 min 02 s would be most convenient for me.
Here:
4 h 51 min 52 s
